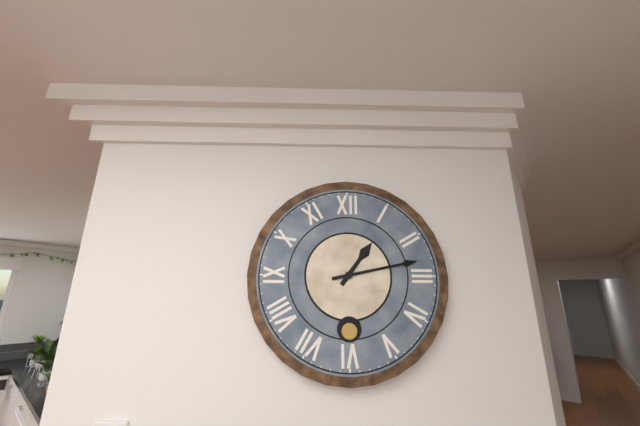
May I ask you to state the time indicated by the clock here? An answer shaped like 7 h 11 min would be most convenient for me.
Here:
1 h 13 min
